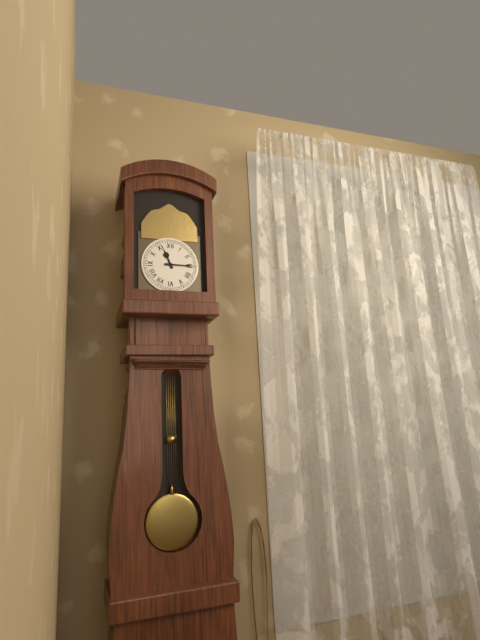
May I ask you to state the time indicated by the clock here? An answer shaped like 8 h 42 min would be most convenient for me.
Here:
11 h 15 min
